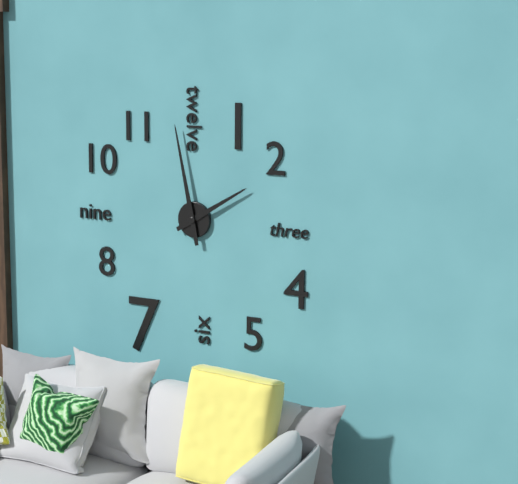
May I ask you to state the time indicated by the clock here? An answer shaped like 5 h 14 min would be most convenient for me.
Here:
1 h 58 min
